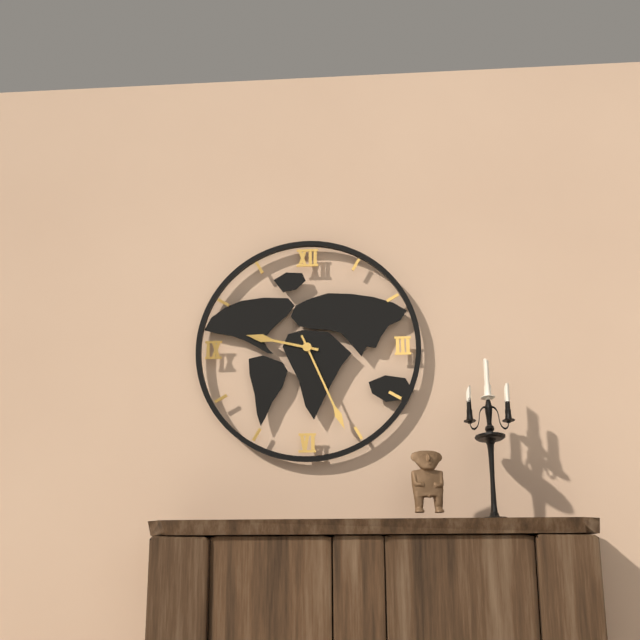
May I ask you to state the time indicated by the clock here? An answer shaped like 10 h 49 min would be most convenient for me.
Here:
9 h 26 min
